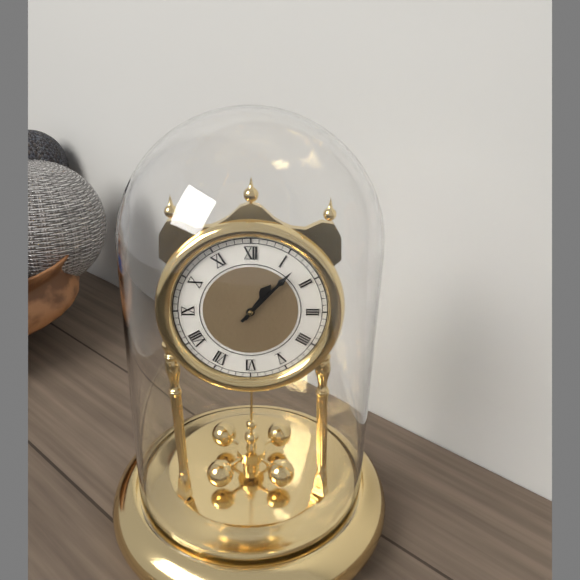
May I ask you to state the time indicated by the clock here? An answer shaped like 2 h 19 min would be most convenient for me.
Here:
1 h 07 min
